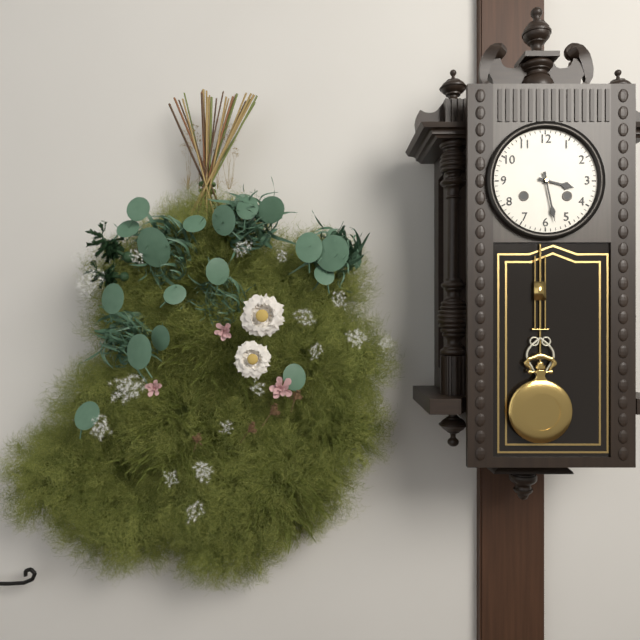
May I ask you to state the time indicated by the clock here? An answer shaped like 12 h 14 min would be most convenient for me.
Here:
3 h 28 min
